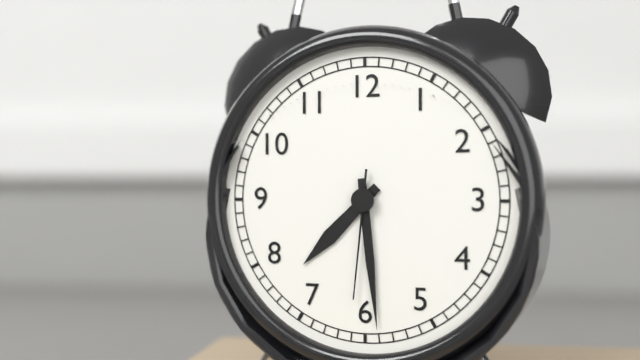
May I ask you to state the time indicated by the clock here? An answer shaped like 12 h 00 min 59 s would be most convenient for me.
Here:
7 h 29 min 31 s
